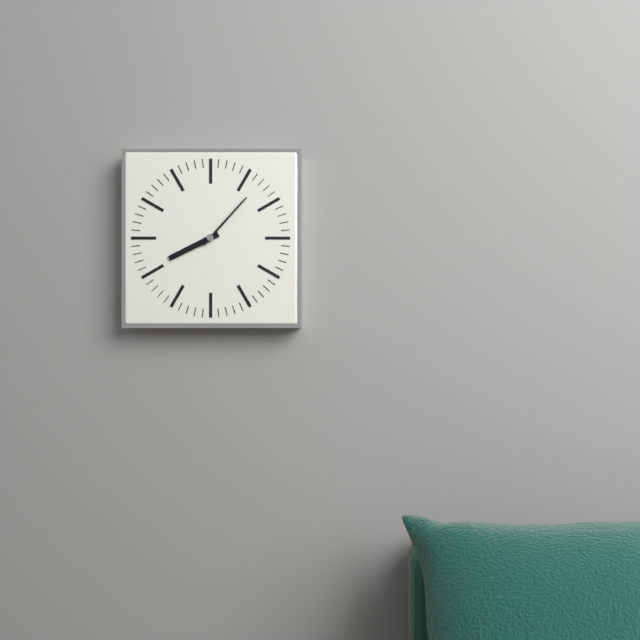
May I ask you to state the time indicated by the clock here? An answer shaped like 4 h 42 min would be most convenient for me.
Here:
8 h 07 min
